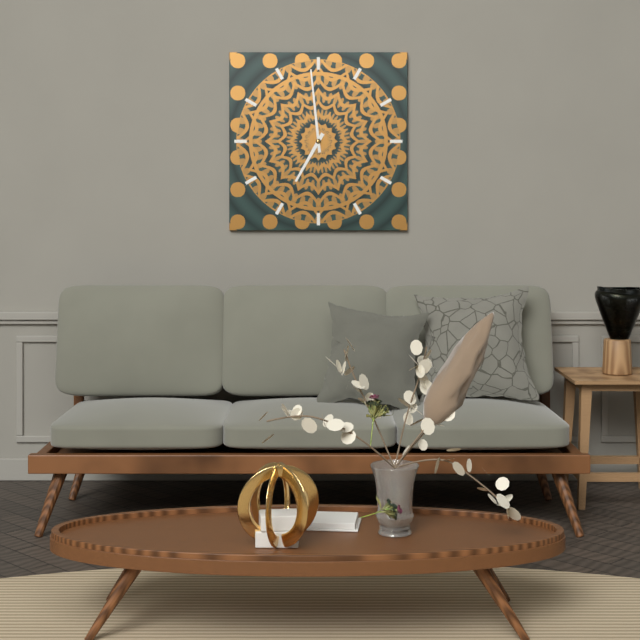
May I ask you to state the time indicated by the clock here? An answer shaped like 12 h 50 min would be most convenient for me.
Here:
6 h 59 min
